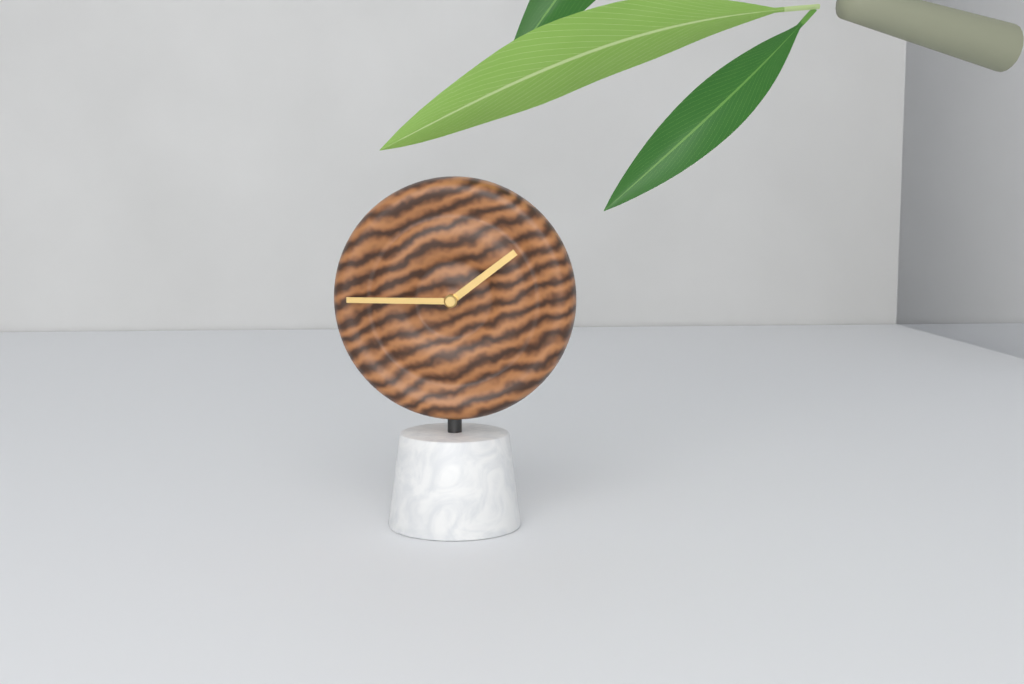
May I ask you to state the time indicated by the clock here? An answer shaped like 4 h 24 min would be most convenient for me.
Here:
1 h 45 min
